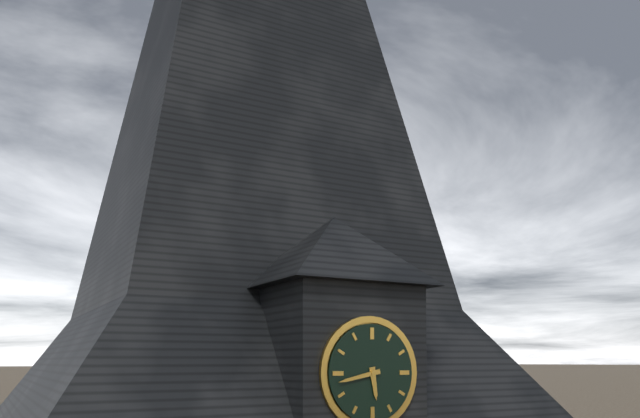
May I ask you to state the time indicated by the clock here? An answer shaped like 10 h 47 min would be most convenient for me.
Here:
5 h 43 min
